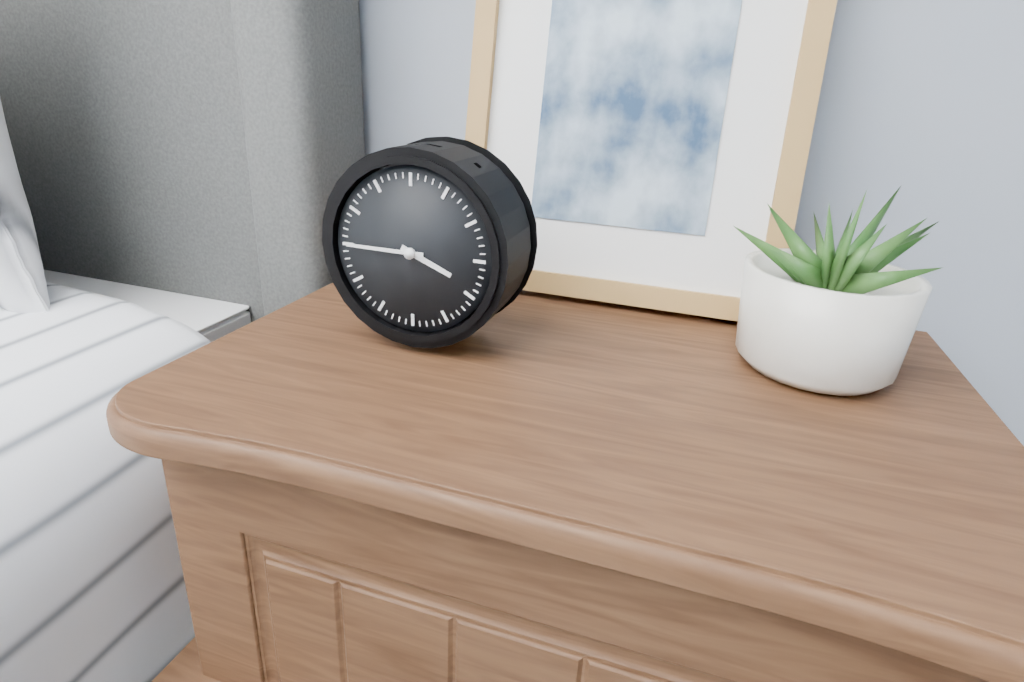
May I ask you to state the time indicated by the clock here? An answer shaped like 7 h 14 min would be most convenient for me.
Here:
3 h 45 min
